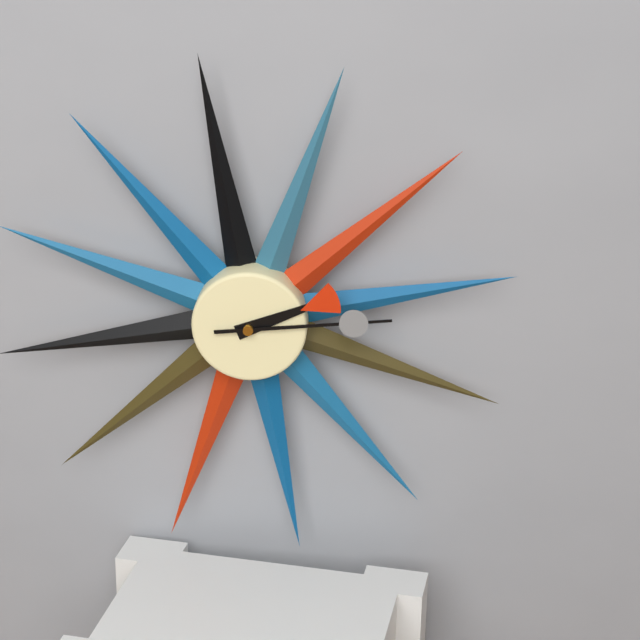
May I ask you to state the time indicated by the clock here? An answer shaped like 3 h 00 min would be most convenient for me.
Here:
2 h 14 min
